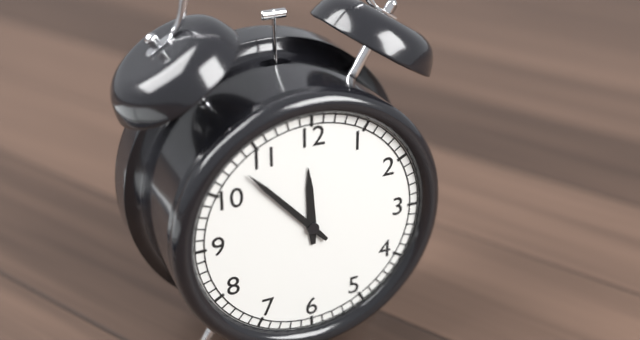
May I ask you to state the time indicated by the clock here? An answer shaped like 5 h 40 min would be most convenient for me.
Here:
11 h 53 min
